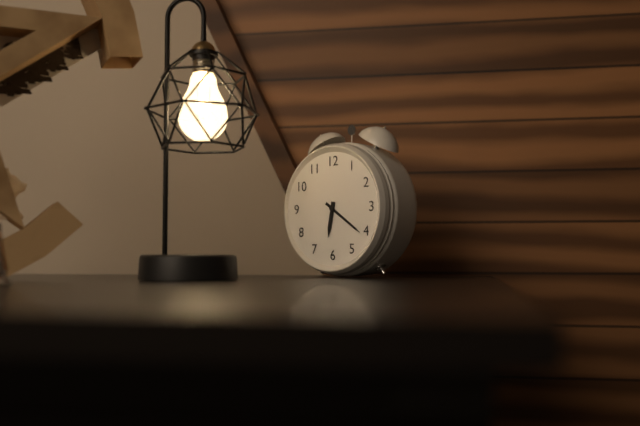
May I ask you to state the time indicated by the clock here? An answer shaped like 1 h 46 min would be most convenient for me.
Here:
6 h 21 min
